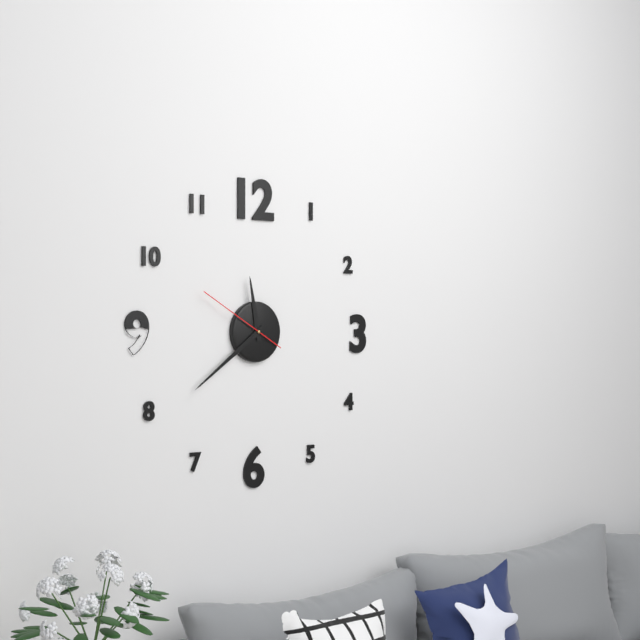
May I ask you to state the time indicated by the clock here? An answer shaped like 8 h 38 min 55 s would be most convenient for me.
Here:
11 h 39 min 50 s
